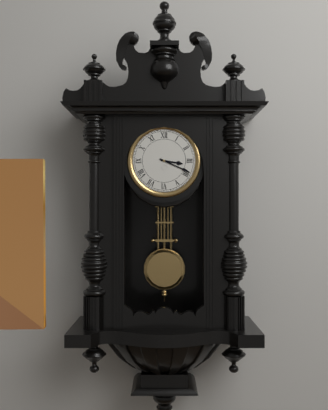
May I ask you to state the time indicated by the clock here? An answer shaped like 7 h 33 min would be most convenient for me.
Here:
3 h 19 min
